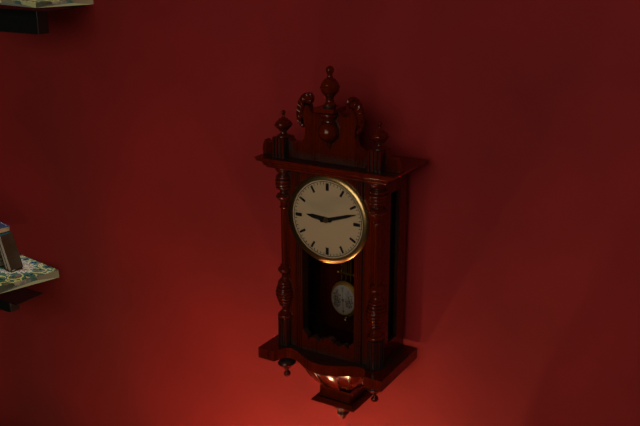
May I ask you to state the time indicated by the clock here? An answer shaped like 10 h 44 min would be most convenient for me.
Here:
9 h 12 min
